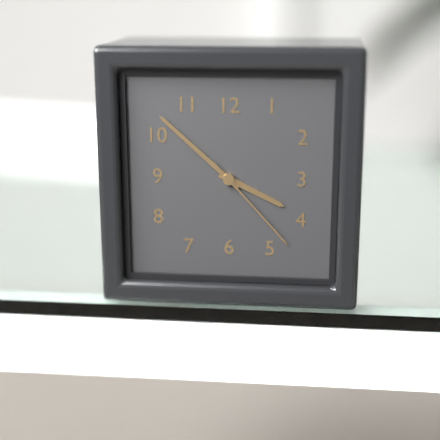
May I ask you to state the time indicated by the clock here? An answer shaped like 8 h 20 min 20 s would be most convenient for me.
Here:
3 h 52 min 23 s
